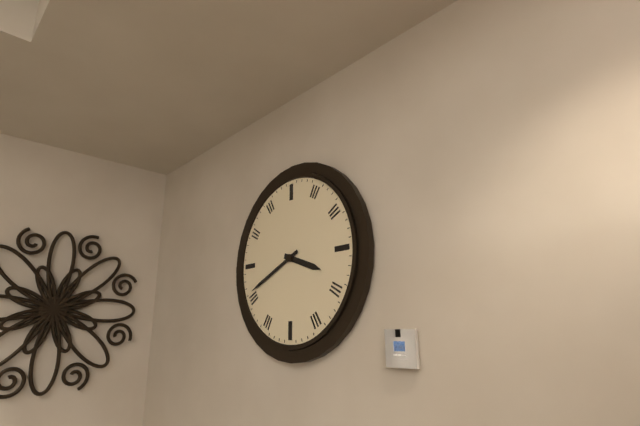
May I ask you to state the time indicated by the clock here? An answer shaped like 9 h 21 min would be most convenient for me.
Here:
3 h 41 min
